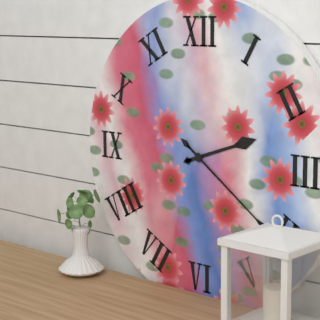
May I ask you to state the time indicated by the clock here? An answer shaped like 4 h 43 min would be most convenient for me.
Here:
2 h 21 min
